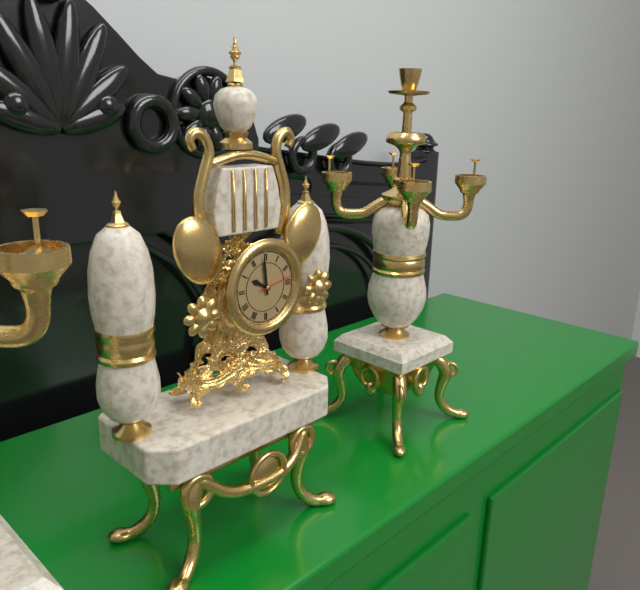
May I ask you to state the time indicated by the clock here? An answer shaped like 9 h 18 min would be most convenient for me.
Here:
9 h 59 min
